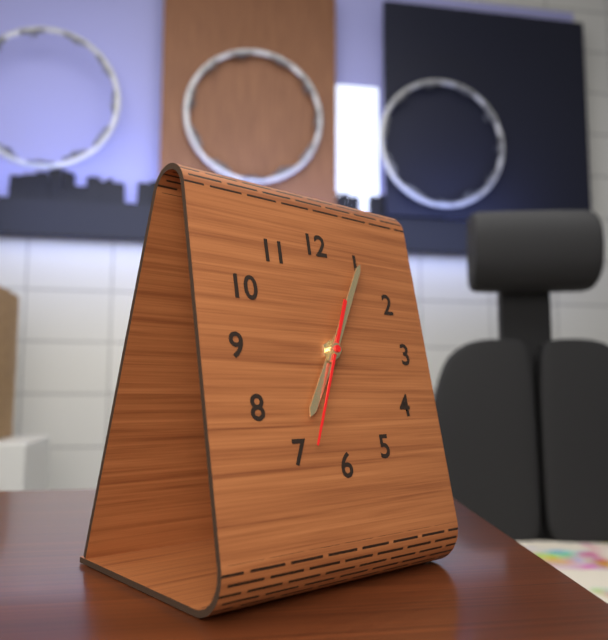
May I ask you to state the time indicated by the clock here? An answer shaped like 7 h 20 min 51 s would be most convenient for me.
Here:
7 h 05 min 34 s
